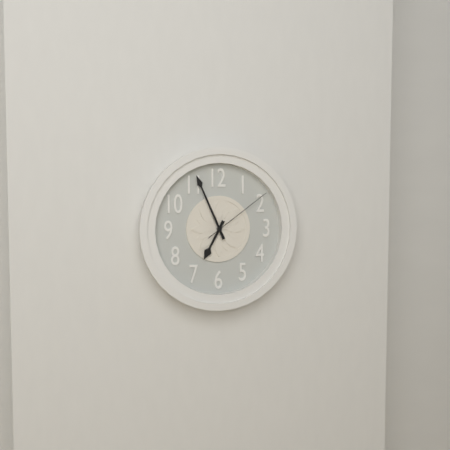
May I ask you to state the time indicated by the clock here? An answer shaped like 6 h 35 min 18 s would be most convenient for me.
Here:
6 h 56 min 09 s
